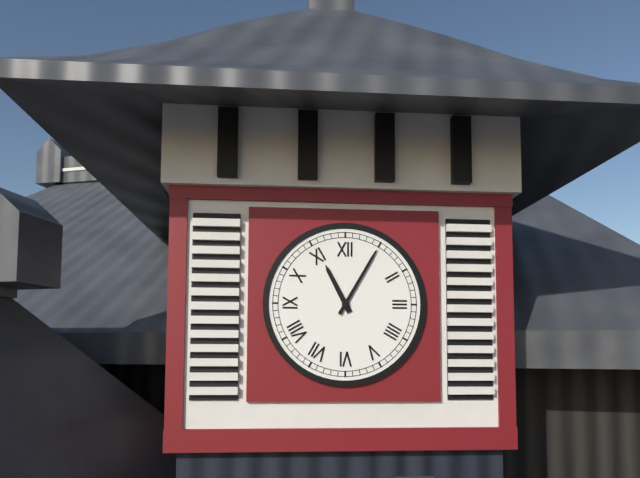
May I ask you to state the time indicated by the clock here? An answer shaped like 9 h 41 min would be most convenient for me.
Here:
11 h 05 min
